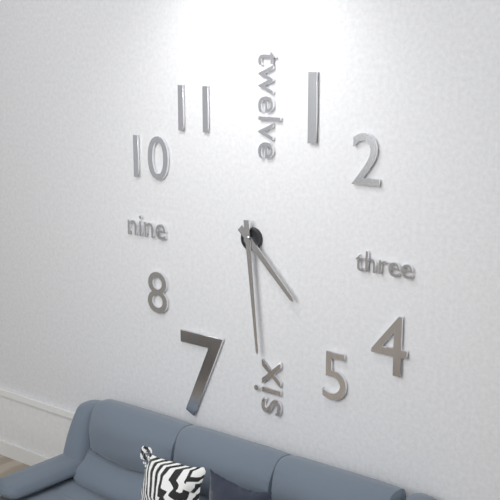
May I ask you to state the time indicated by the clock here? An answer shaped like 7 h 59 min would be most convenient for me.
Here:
4 h 29 min
